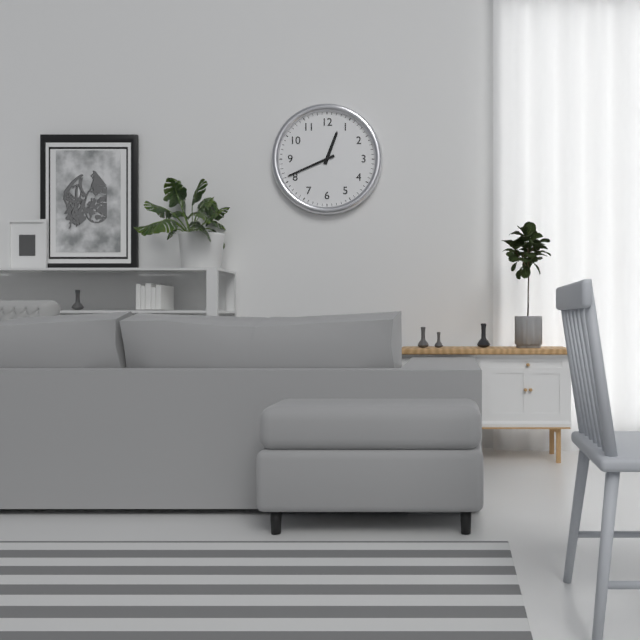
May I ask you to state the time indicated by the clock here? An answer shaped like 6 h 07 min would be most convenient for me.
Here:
12 h 41 min
